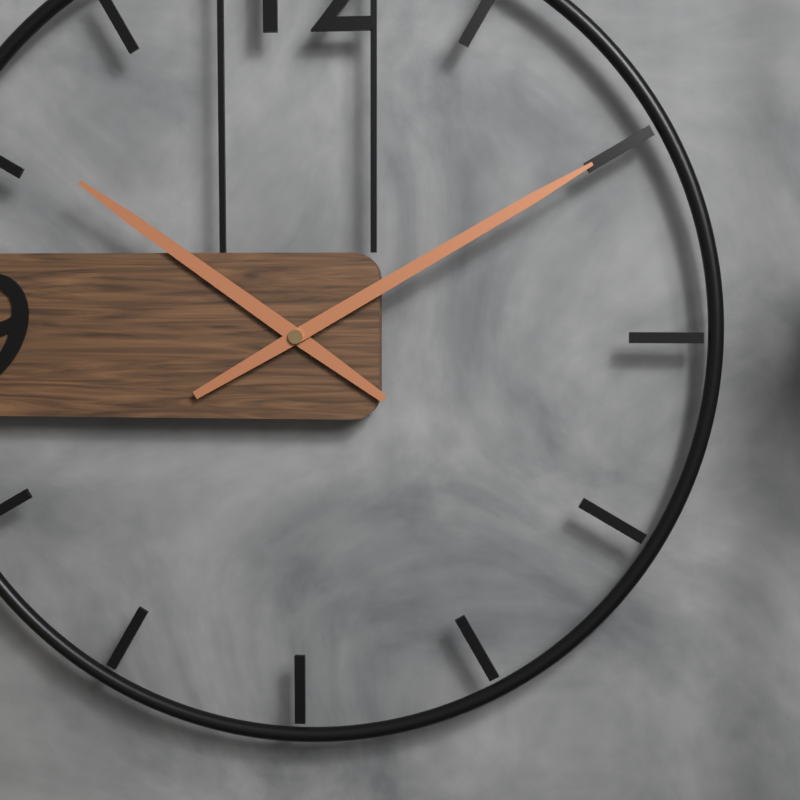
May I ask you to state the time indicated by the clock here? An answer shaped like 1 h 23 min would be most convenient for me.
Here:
10 h 10 min
